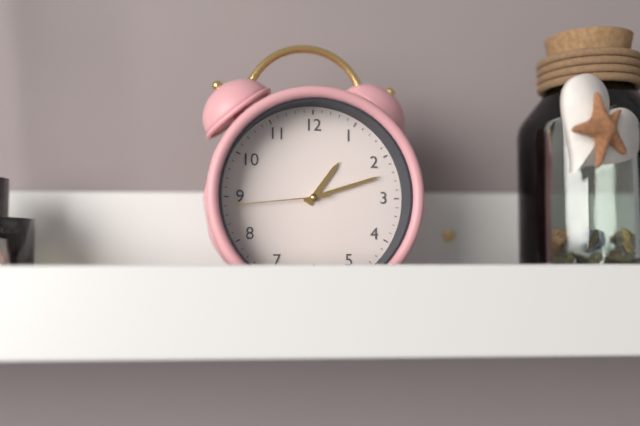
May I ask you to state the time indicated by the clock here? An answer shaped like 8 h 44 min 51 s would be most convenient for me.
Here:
1 h 12 min 44 s
